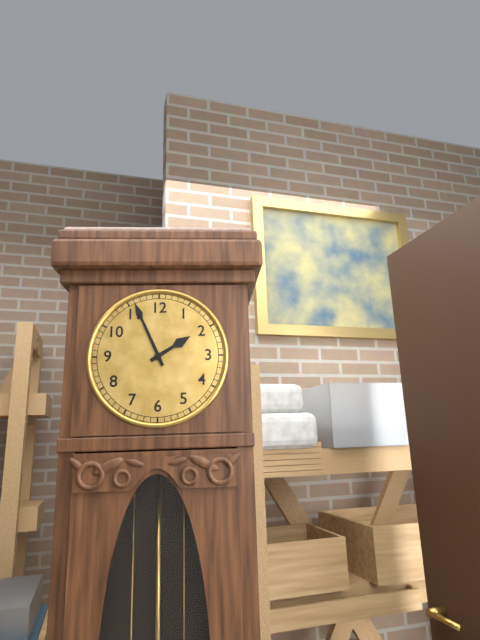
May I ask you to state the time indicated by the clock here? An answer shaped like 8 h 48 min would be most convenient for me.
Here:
1 h 56 min
